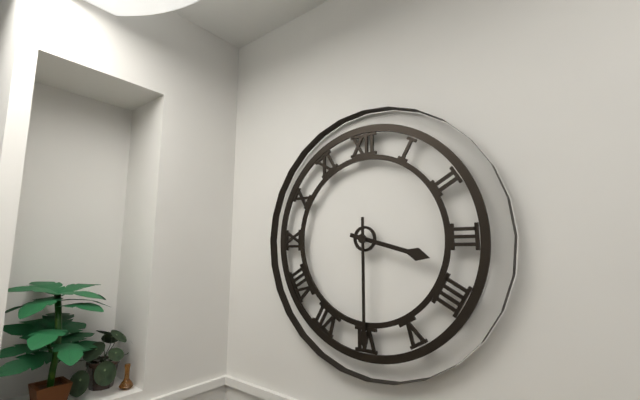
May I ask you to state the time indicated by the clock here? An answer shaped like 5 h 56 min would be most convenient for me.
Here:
3 h 30 min
